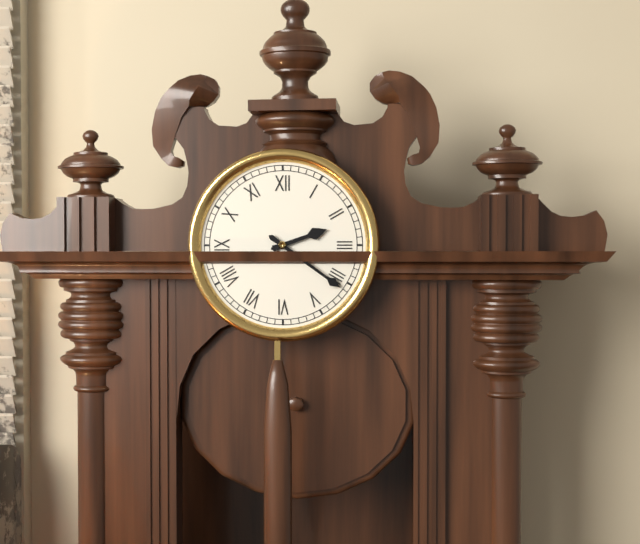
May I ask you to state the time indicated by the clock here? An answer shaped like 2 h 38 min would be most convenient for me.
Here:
2 h 21 min
